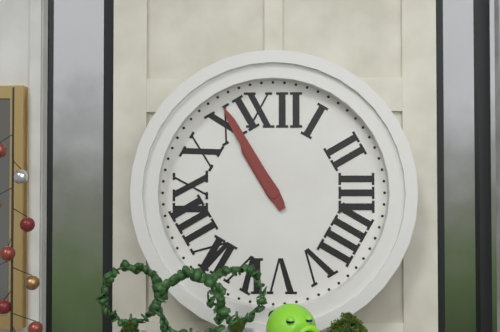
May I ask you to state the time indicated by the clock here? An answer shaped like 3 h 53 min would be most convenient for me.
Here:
10 h 55 min
